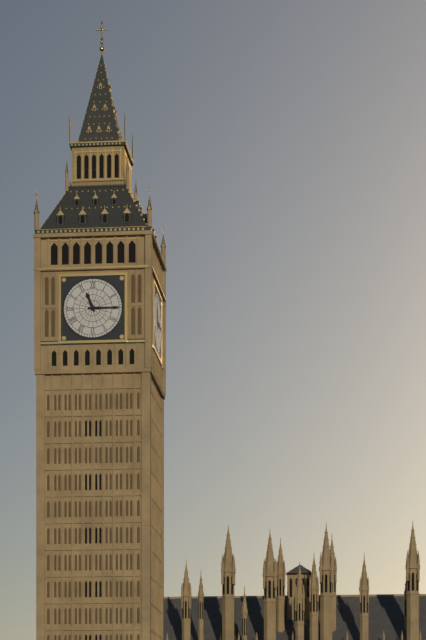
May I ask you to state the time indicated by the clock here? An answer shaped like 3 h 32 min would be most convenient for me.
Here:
11 h 15 min
